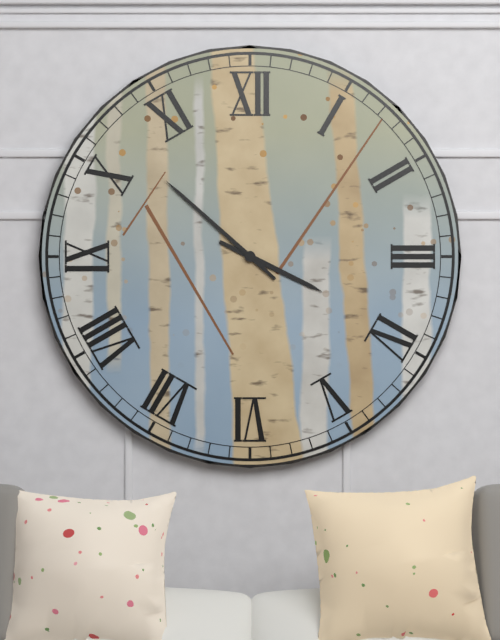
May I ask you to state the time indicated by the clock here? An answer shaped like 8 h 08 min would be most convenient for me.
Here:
3 h 52 min
